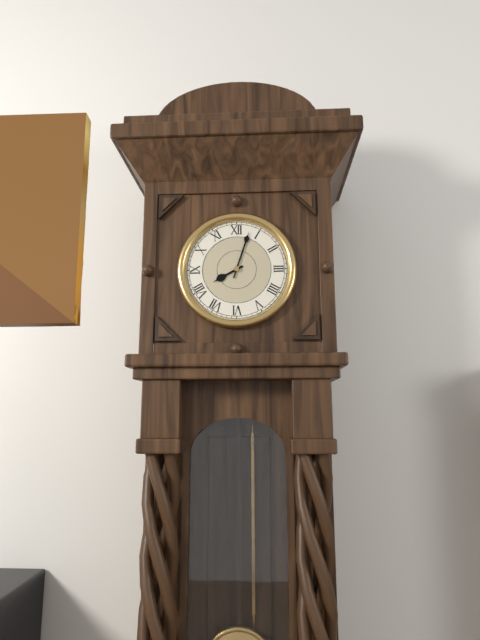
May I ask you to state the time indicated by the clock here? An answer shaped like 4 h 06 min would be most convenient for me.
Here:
8 h 03 min
